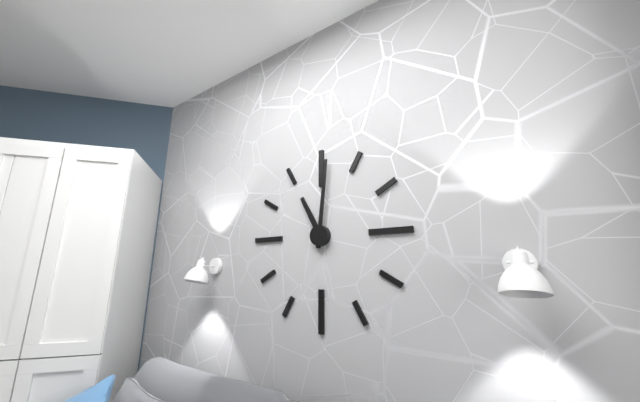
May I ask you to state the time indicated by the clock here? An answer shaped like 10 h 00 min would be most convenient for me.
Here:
11 h 01 min
